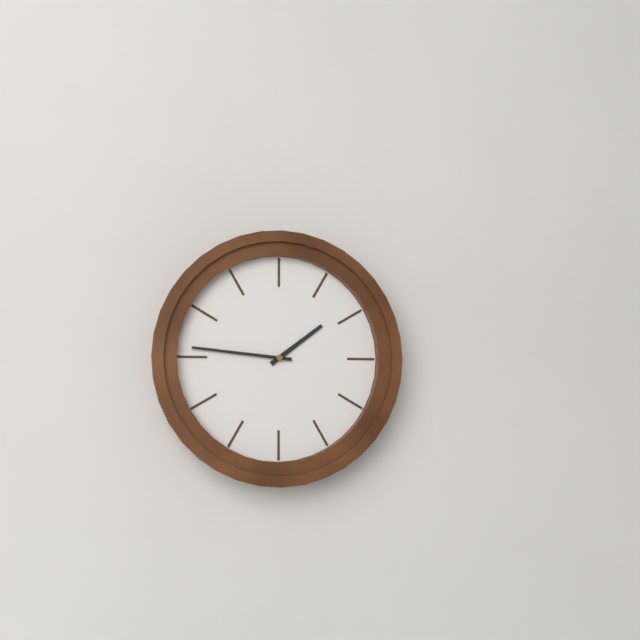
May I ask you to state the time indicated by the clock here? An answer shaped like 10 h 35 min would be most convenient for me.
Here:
1 h 46 min
